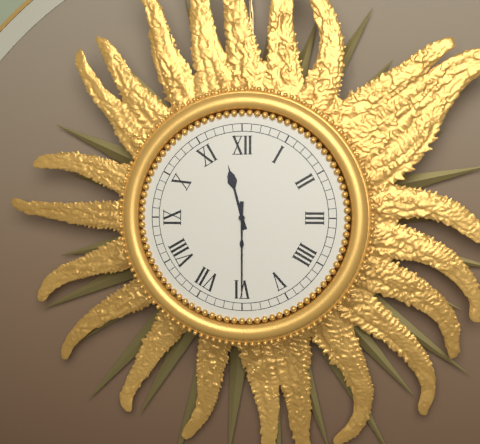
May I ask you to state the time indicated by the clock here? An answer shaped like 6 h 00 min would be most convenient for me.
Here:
11 h 30 min
